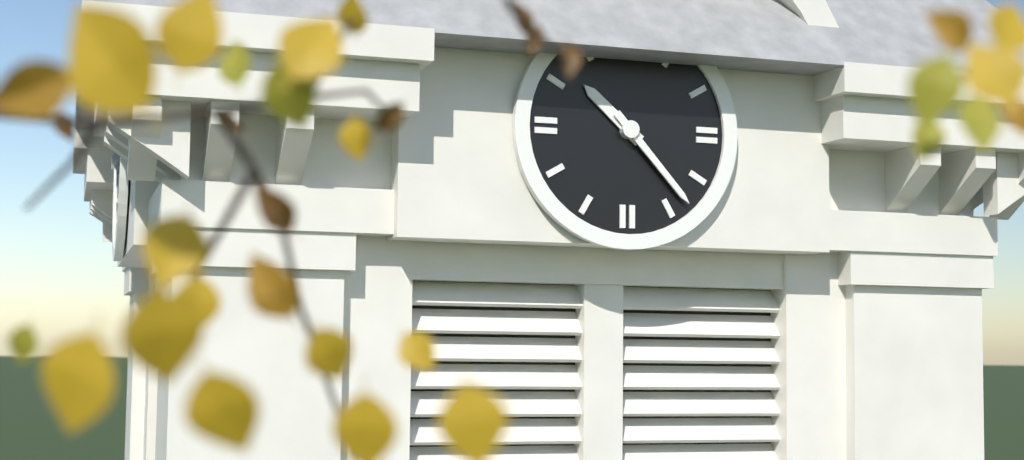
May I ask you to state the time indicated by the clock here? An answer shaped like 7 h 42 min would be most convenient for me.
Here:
10 h 23 min
